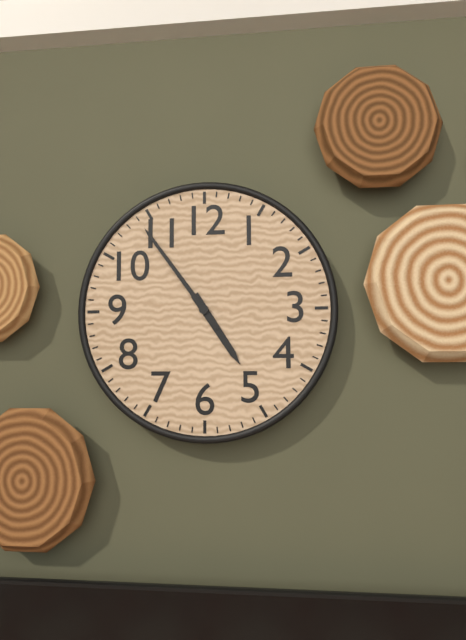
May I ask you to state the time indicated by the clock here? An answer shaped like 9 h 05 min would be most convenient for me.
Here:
4 h 54 min
